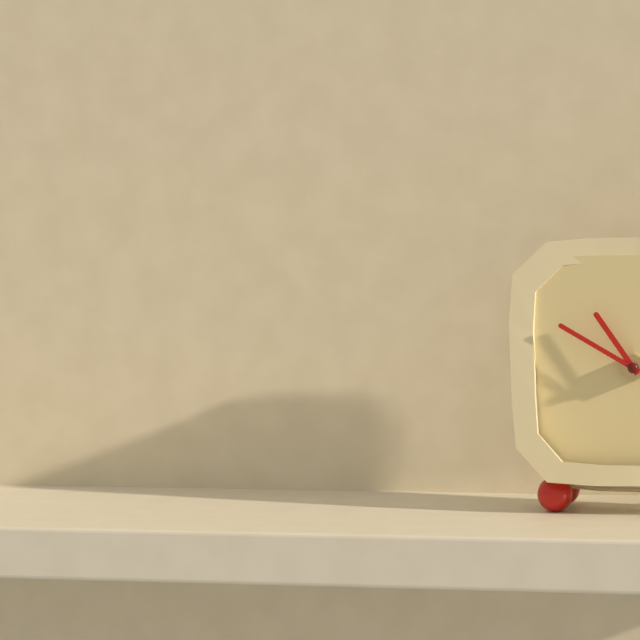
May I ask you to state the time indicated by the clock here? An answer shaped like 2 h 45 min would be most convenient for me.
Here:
10 h 50 min
